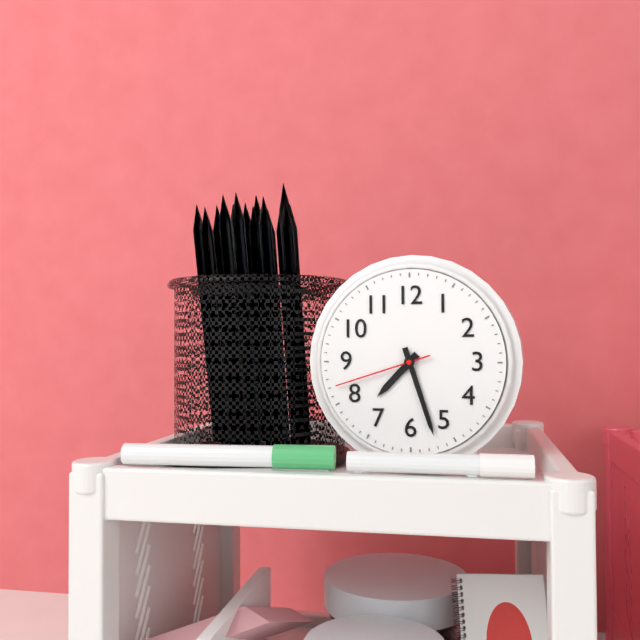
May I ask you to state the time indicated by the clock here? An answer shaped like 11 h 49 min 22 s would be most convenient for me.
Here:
7 h 27 min 42 s
